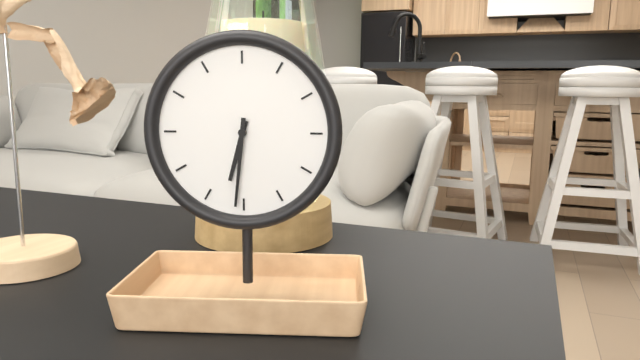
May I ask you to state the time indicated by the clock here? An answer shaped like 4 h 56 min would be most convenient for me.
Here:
6 h 31 min
